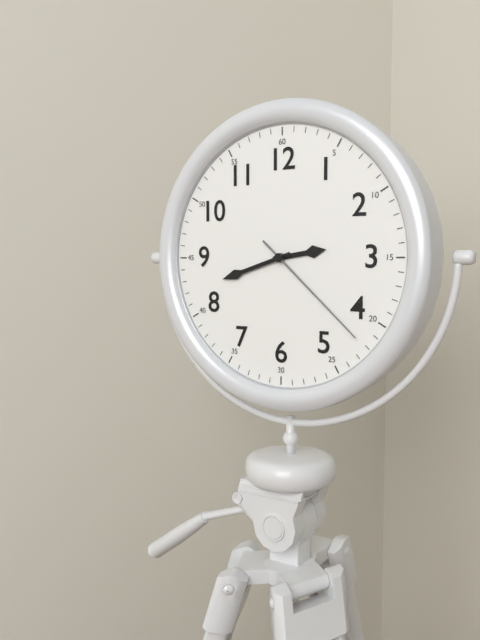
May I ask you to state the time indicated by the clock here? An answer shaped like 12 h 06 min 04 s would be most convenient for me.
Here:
2 h 42 min 22 s
